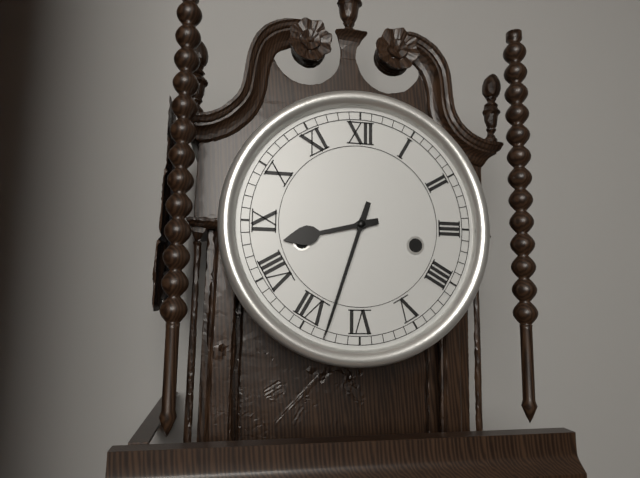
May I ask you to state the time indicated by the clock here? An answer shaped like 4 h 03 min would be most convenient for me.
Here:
8 h 33 min
